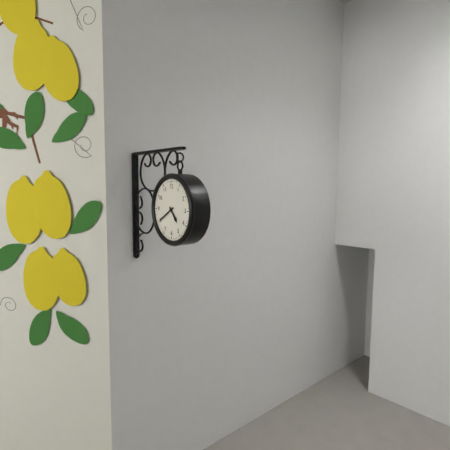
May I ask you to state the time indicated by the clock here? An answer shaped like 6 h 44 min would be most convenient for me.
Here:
4 h 40 min
